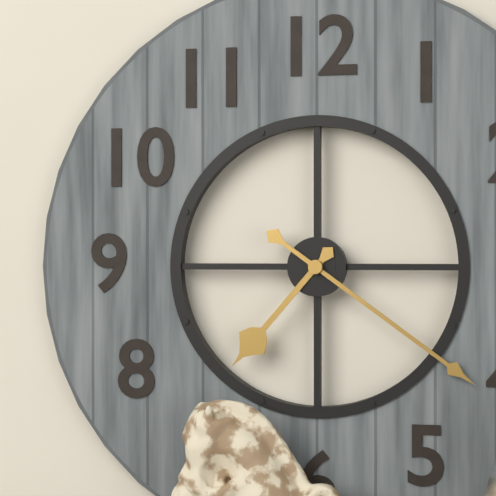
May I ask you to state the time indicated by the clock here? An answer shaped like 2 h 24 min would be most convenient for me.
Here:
7 h 21 min
